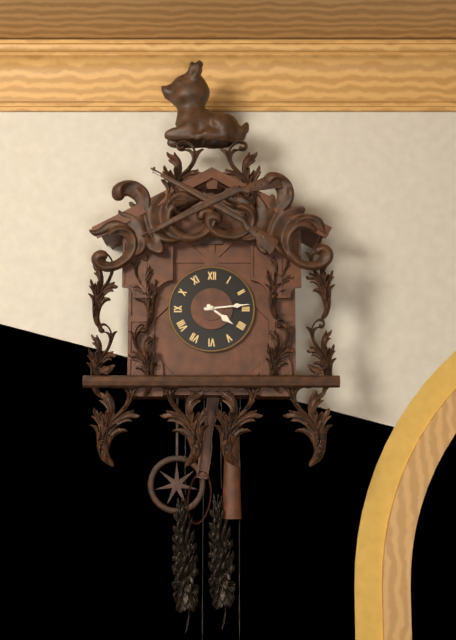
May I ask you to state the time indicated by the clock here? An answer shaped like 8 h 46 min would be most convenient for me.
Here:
4 h 14 min
